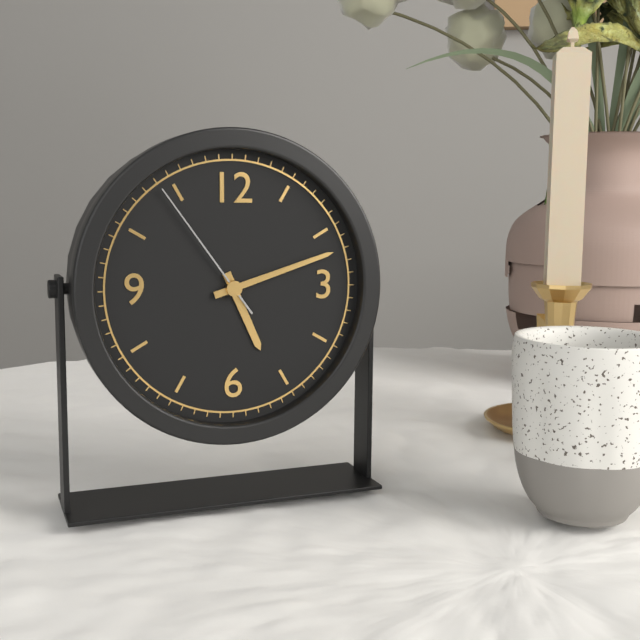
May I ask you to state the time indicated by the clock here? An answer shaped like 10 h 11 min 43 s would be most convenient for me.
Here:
5 h 12 min 54 s
